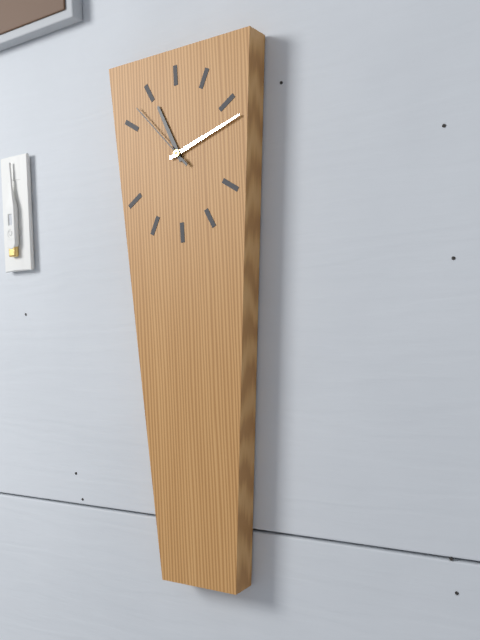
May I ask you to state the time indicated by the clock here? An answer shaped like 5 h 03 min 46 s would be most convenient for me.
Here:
11 h 12 min 53 s
